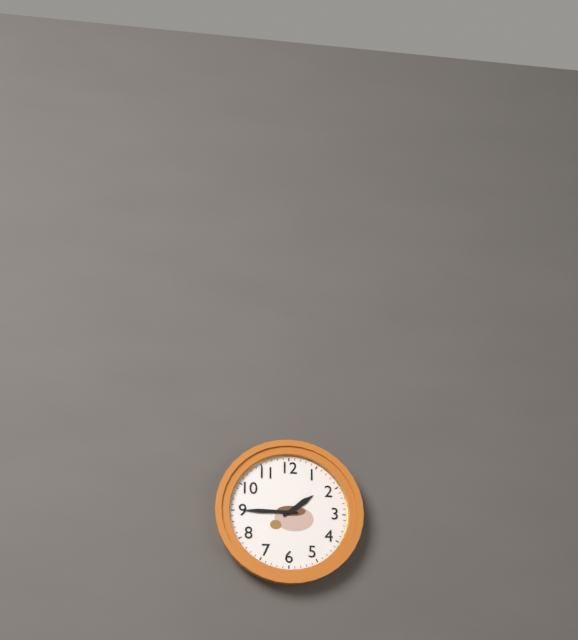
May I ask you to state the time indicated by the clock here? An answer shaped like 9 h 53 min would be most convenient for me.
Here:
1 h 45 min
